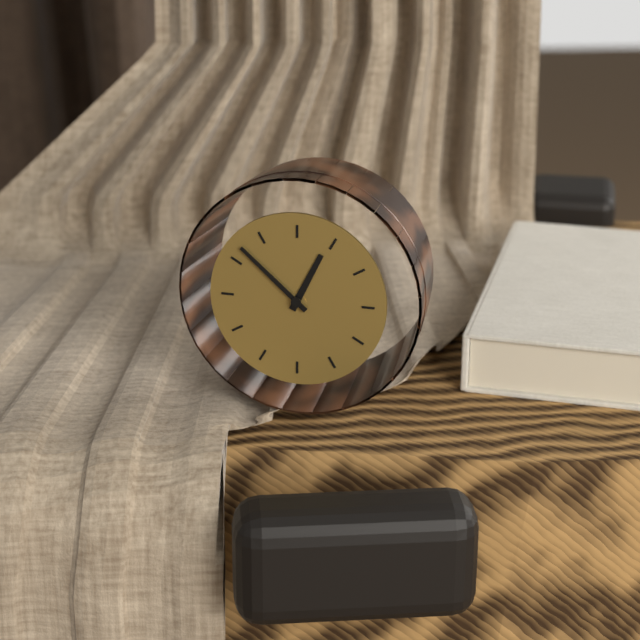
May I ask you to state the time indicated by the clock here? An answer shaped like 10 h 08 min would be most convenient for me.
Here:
12 h 52 min
